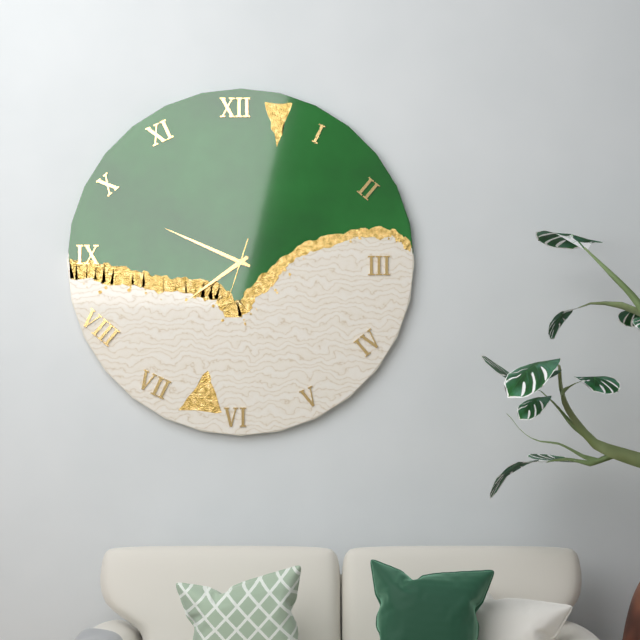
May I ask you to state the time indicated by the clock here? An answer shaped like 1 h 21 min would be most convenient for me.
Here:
7 h 49 min
